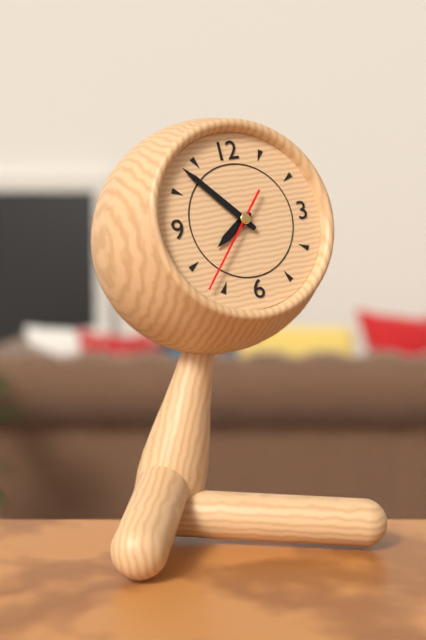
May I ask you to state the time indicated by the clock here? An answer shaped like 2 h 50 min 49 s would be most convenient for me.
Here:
7 h 53 min 37 s
